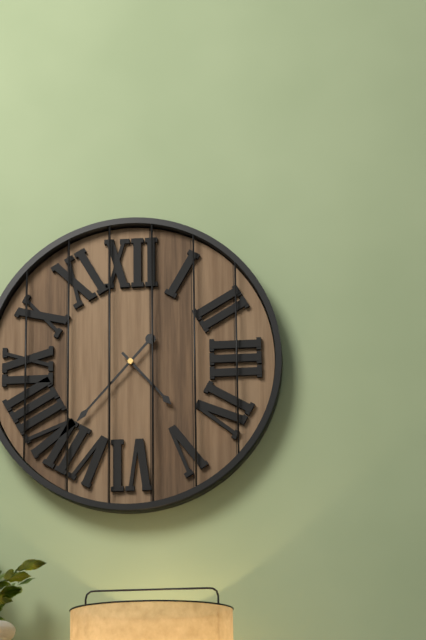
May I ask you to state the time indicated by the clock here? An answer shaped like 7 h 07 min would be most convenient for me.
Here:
4 h 37 min
